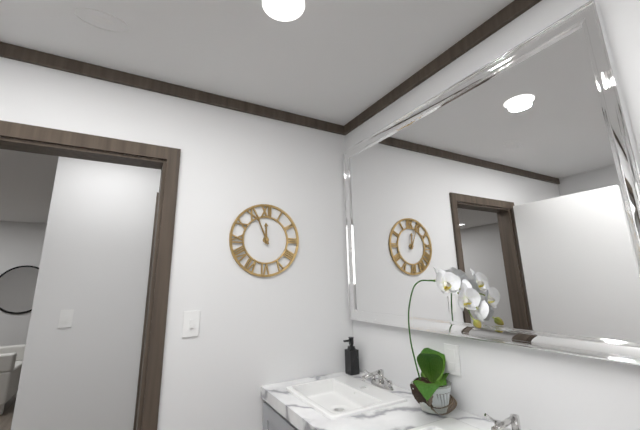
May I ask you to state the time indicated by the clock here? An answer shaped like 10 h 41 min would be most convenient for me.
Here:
11 h 56 min
